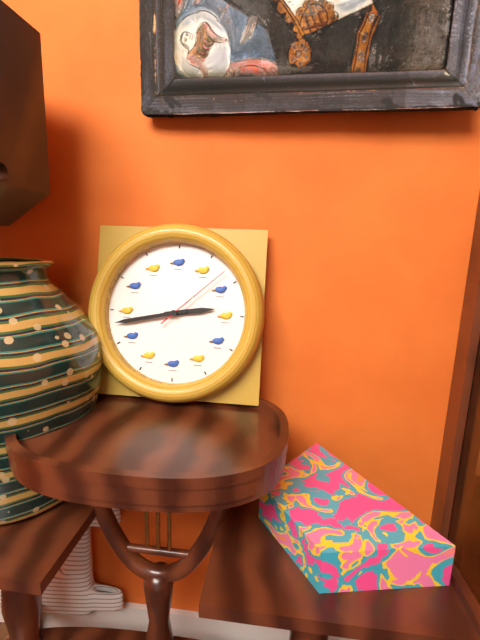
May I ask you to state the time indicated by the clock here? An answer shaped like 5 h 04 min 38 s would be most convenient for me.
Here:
2 h 43 min 08 s
